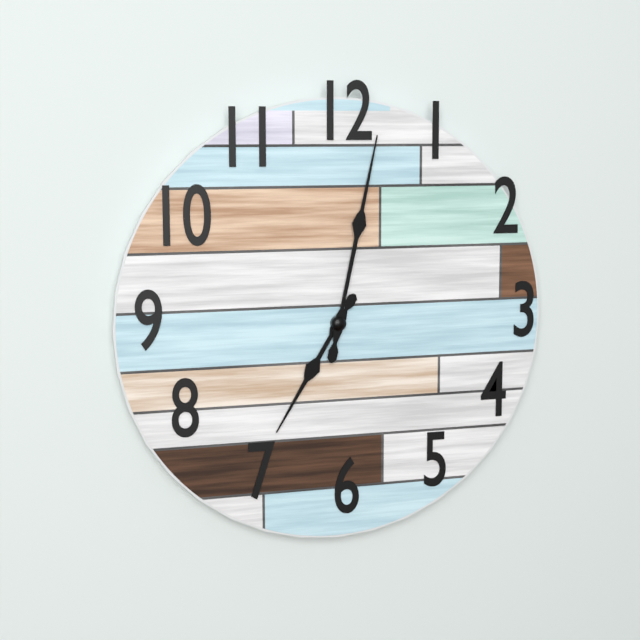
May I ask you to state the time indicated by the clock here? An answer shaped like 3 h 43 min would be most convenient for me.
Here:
7 h 02 min
